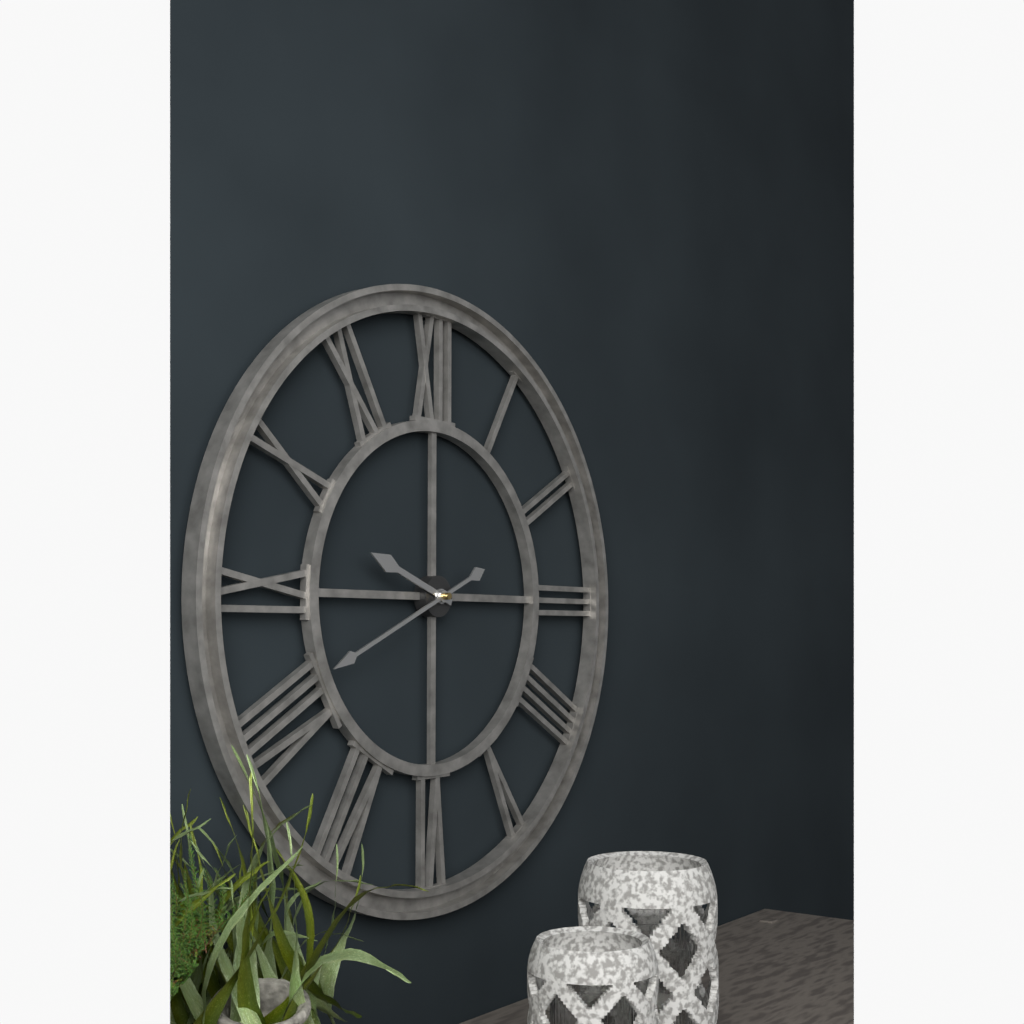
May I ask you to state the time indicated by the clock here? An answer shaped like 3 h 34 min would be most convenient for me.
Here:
9 h 41 min
